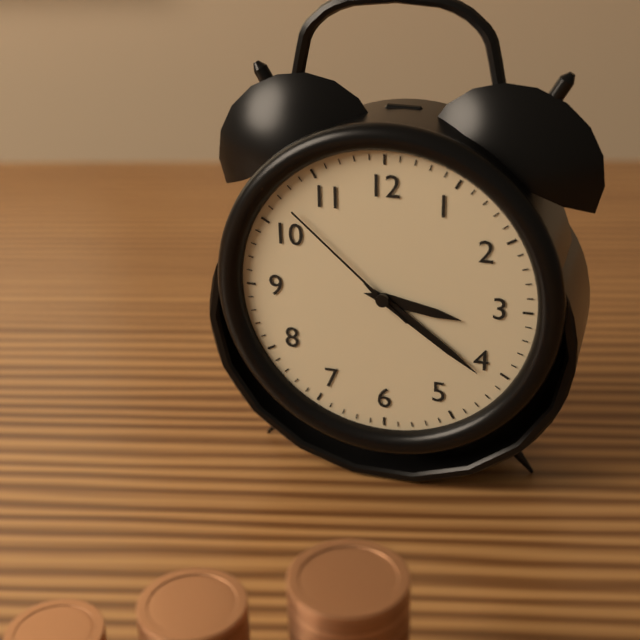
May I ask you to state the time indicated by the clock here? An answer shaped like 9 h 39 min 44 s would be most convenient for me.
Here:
3 h 21 min 52 s
